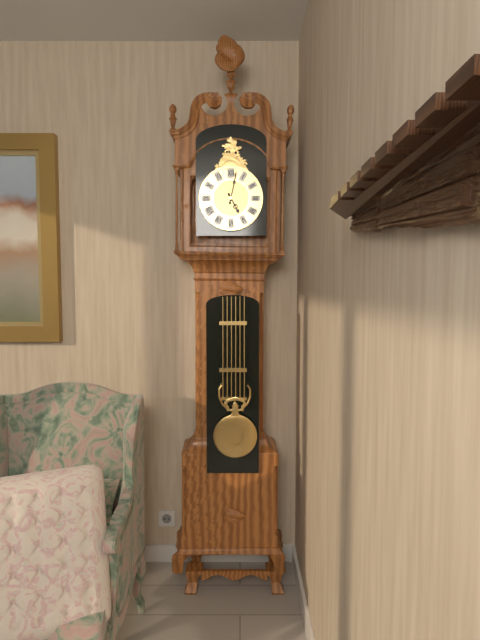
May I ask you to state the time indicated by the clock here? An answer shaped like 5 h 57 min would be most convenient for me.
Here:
5 h 02 min
